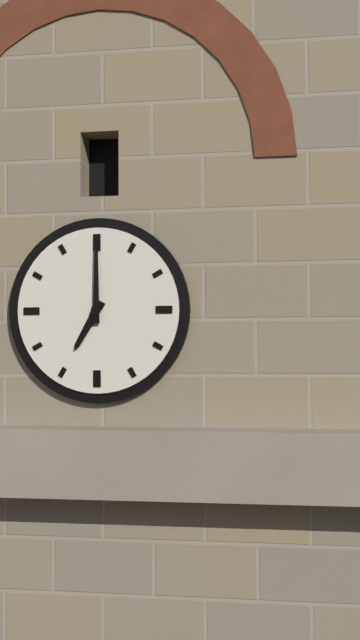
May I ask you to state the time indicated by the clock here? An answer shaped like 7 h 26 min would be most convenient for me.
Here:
7 h 00 min
